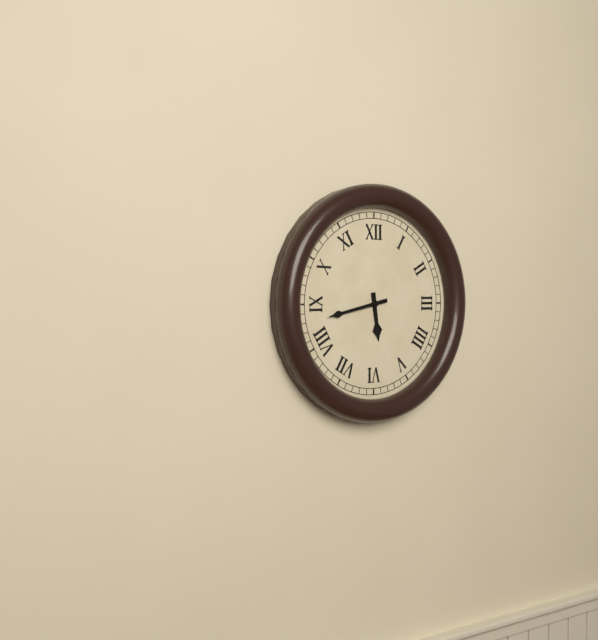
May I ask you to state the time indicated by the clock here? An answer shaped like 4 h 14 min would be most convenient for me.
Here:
5 h 43 min
